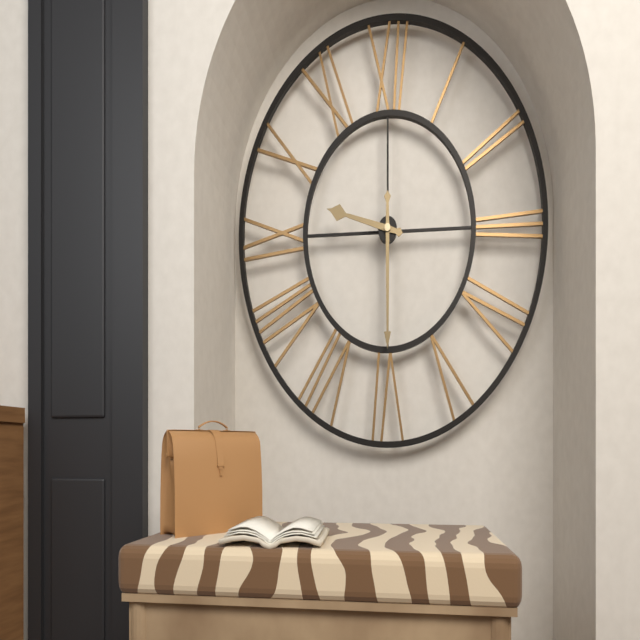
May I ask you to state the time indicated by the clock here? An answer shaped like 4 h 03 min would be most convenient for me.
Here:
9 h 30 min
